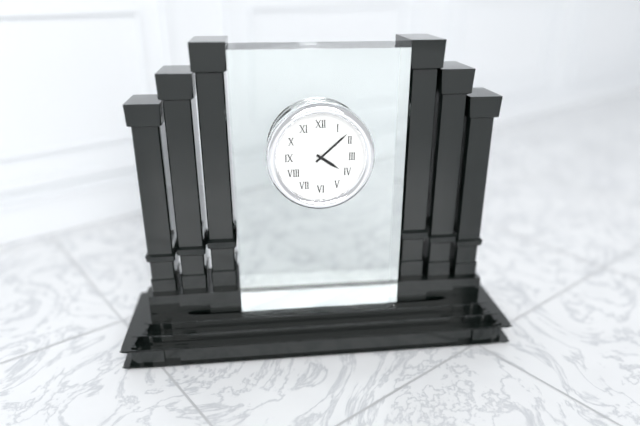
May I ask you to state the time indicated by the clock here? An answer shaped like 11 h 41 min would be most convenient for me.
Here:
4 h 08 min
